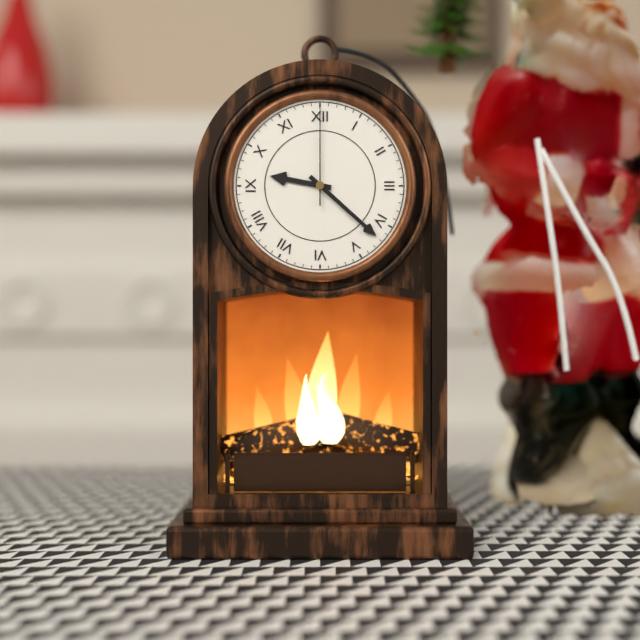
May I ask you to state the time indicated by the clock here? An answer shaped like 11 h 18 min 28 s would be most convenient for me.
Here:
9 h 22 min 00 s
